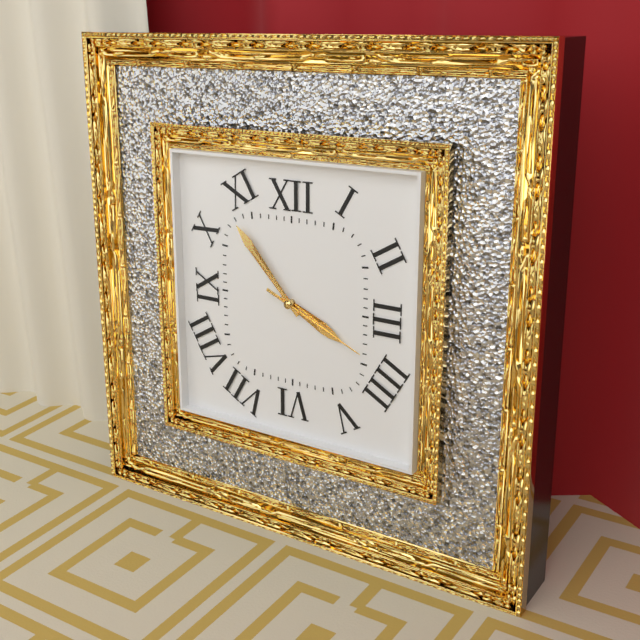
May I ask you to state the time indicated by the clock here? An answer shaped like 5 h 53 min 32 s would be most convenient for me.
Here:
3 h 53 min 19 s
